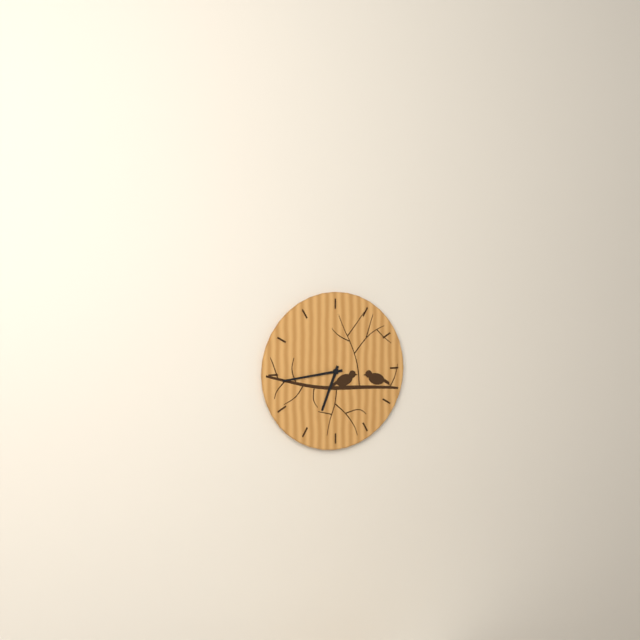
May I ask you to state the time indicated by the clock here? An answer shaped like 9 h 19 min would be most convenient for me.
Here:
6 h 44 min
